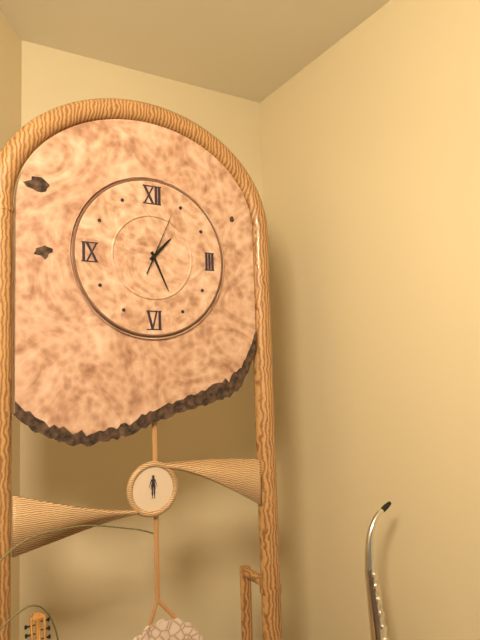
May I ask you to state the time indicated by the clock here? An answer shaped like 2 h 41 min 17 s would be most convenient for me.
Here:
1 h 26 min 04 s
